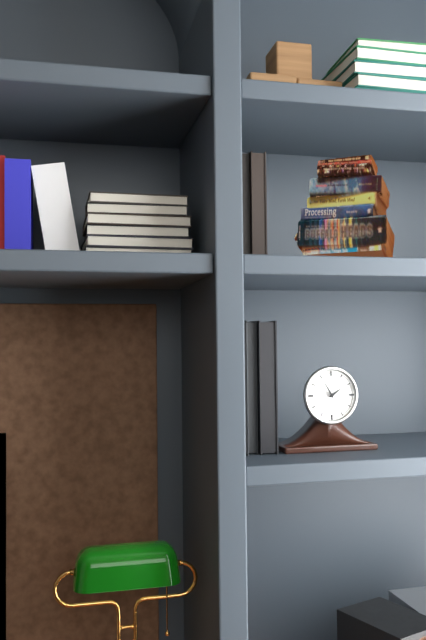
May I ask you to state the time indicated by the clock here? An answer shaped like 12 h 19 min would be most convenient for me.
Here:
1 h 55 min
